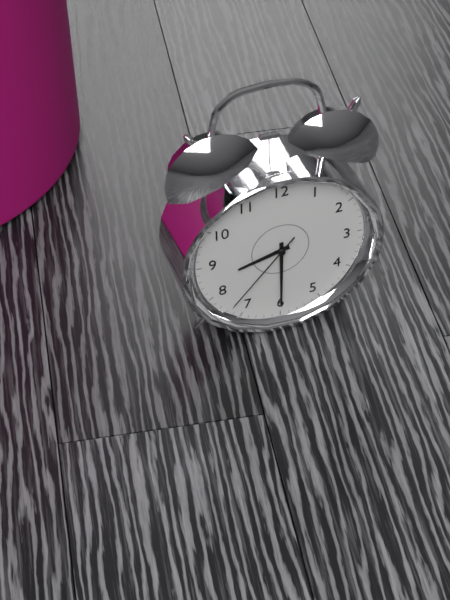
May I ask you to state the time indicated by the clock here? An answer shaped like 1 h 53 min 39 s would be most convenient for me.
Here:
8 h 30 min 37 s
